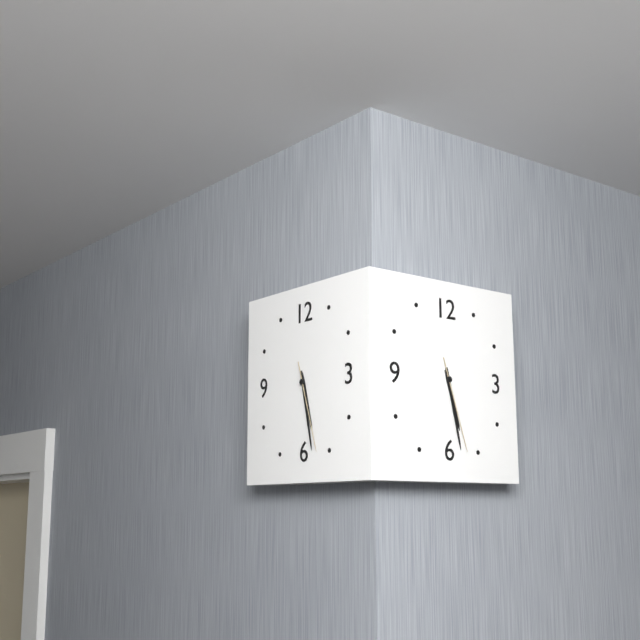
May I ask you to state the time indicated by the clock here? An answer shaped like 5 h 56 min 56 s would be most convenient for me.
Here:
5 h 28 min 27 s
